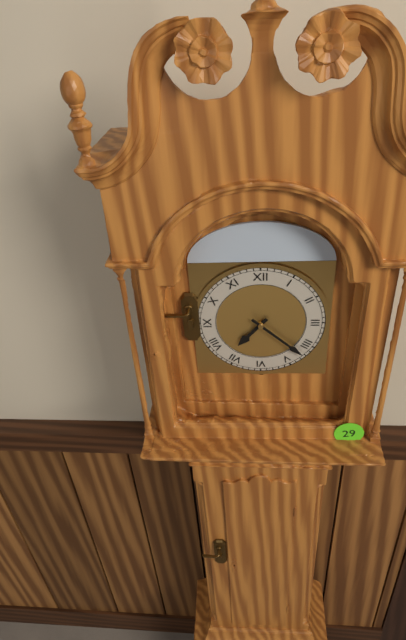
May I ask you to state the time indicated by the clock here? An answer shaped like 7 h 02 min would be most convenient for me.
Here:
7 h 22 min
